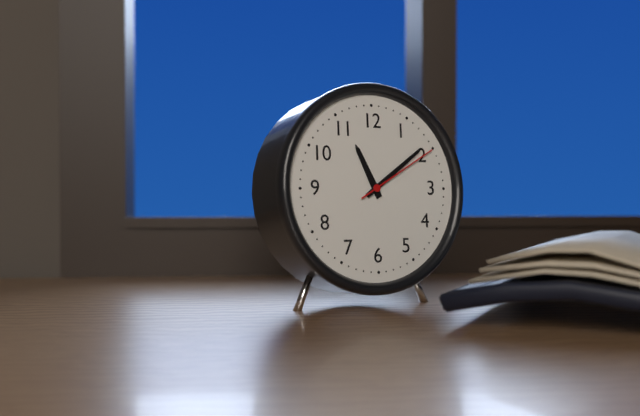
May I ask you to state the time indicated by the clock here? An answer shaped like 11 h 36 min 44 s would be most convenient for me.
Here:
11 h 09 min 10 s
